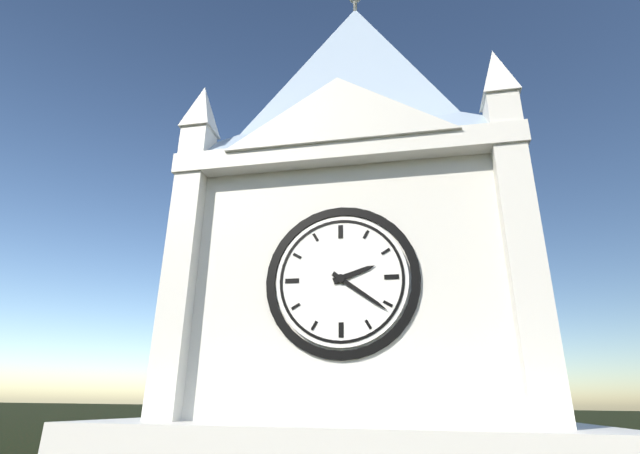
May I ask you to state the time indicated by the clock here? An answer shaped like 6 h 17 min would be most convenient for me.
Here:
2 h 21 min
